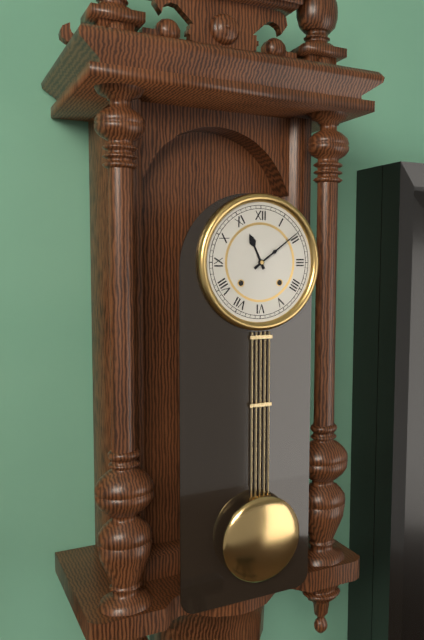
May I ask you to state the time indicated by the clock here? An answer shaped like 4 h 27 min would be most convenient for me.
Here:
11 h 09 min
